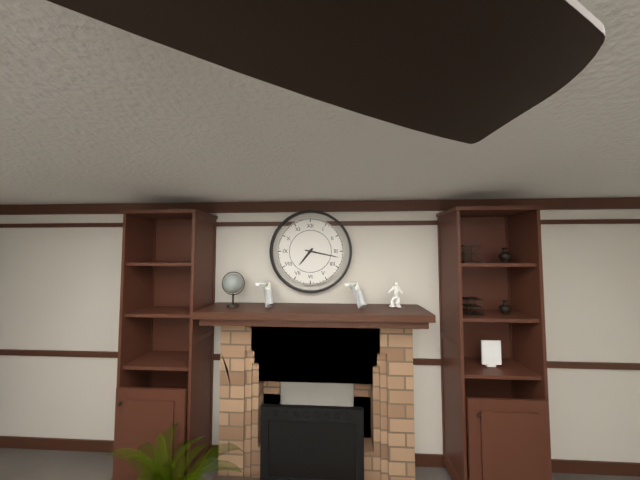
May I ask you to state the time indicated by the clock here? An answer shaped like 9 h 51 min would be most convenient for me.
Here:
7 h 17 min
